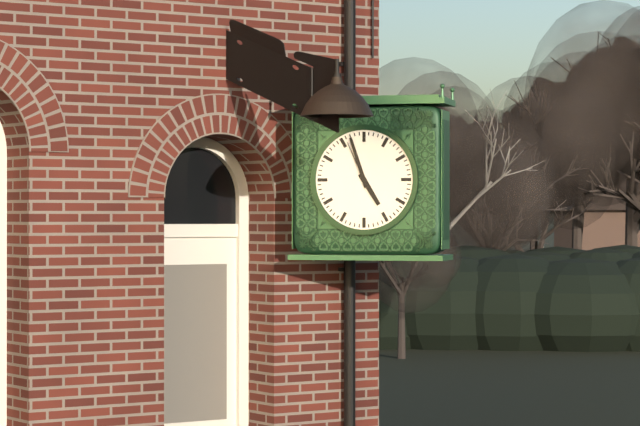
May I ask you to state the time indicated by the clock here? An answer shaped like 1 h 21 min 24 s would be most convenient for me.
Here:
4 h 57 min 56 s
